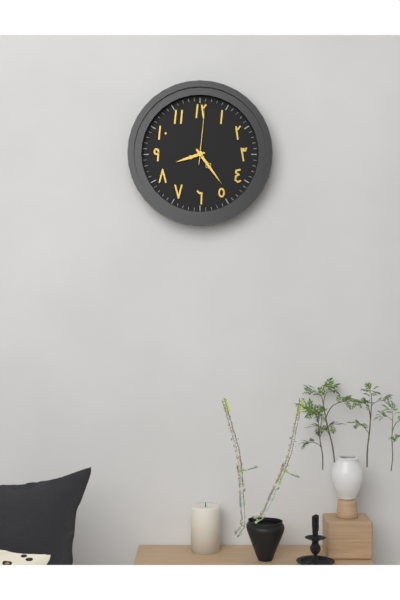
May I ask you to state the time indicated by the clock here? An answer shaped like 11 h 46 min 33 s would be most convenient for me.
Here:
8 h 24 min 01 s
